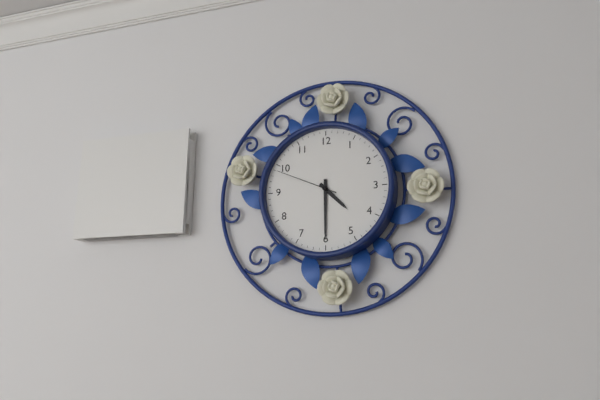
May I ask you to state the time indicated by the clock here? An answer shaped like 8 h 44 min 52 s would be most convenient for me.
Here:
4 h 30 min 49 s
